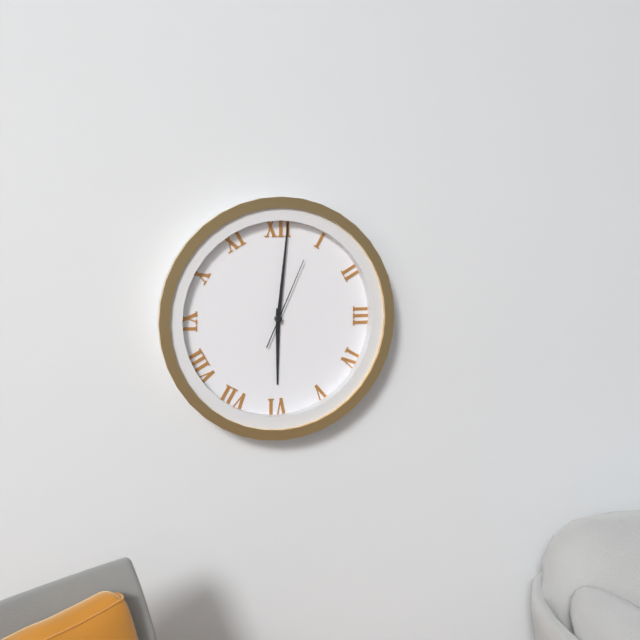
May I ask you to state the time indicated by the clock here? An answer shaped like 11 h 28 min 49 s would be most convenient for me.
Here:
6 h 01 min 04 s
